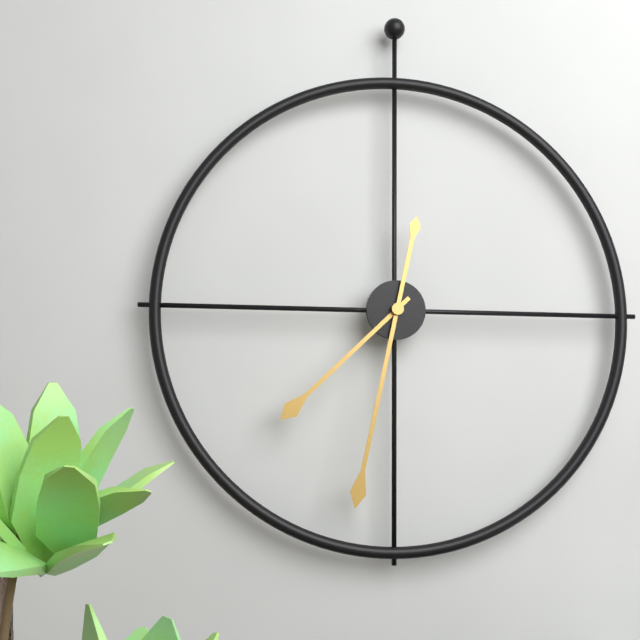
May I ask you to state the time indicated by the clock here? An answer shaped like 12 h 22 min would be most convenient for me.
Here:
7 h 32 min
